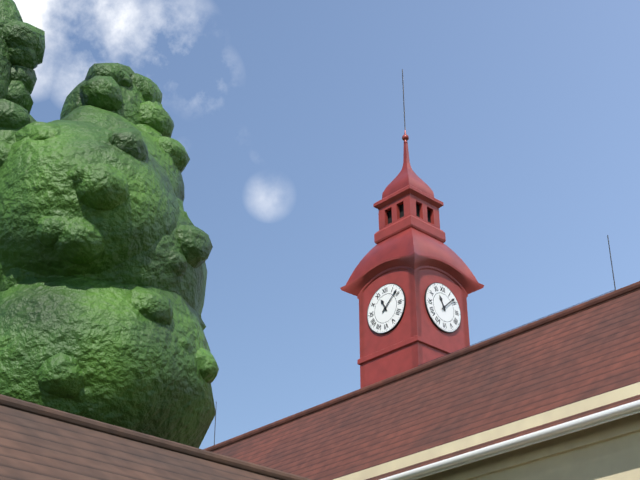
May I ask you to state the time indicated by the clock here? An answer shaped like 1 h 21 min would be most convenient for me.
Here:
11 h 08 min
